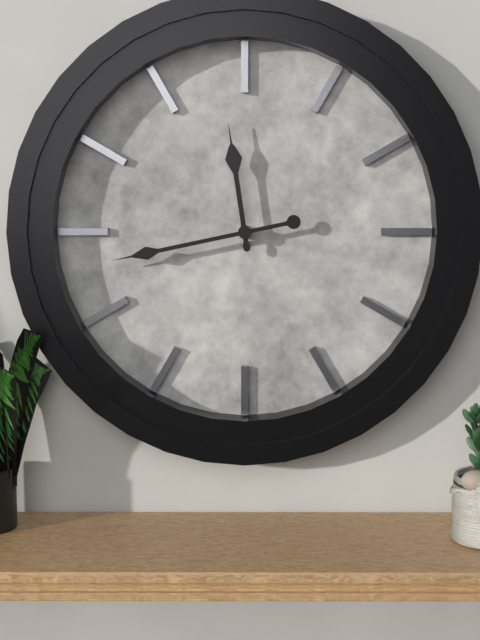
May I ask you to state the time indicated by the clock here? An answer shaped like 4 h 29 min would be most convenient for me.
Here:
11 h 43 min
